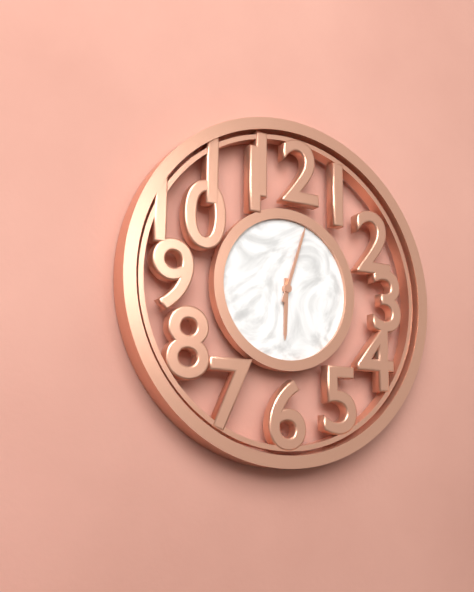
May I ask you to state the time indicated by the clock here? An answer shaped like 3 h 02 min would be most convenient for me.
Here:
6 h 03 min
